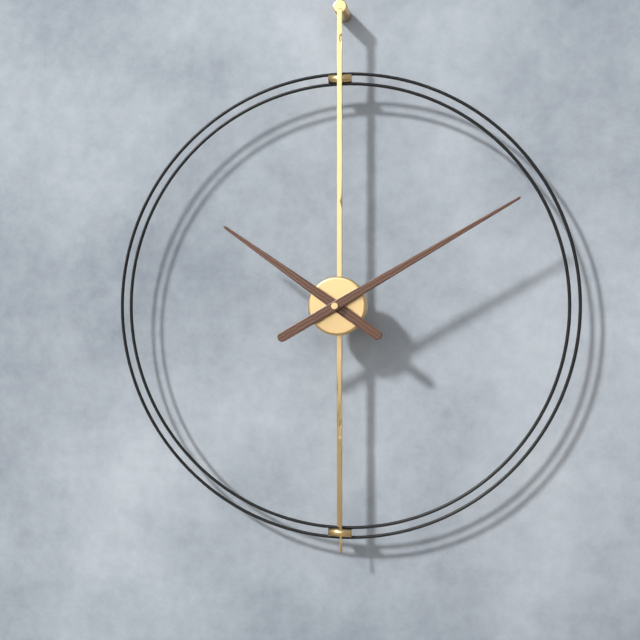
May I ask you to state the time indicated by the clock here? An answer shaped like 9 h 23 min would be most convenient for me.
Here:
10 h 10 min
